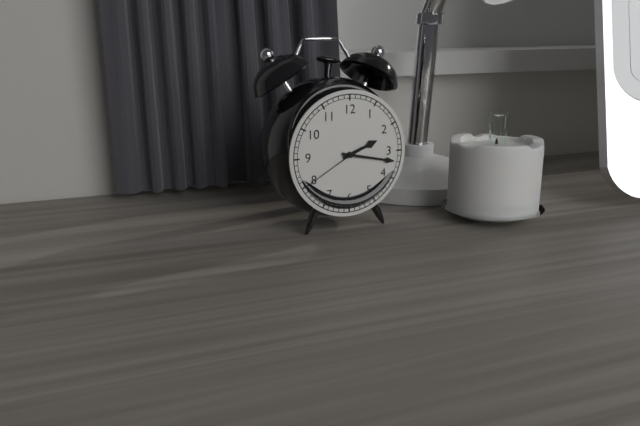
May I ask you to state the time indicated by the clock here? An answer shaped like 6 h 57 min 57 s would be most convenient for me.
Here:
2 h 17 min 40 s
